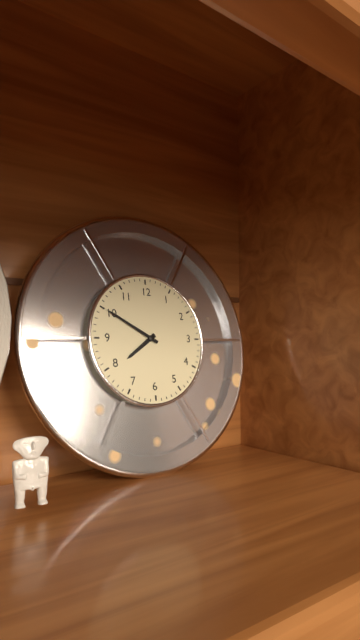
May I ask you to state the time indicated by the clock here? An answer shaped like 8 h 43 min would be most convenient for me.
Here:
7 h 50 min
